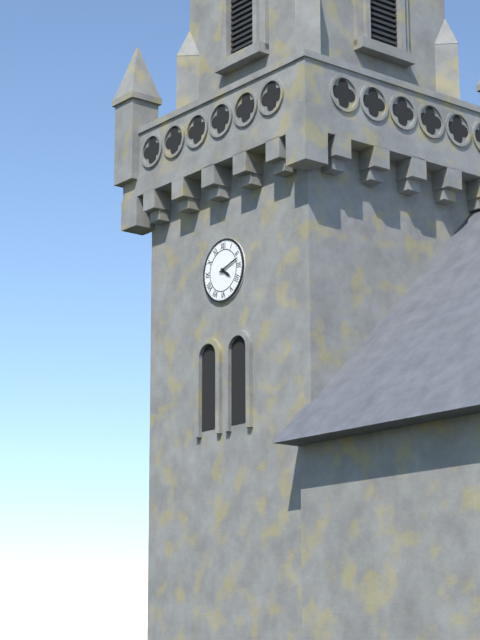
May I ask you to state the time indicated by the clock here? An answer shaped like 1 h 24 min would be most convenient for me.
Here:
4 h 12 min
